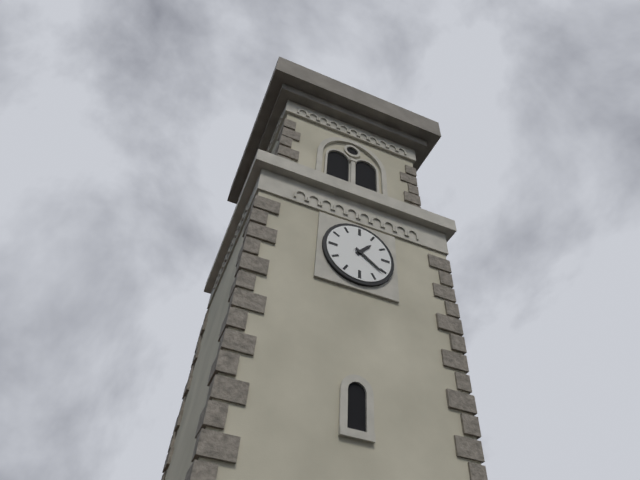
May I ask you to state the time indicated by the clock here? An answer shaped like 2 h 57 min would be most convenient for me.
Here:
1 h 21 min
